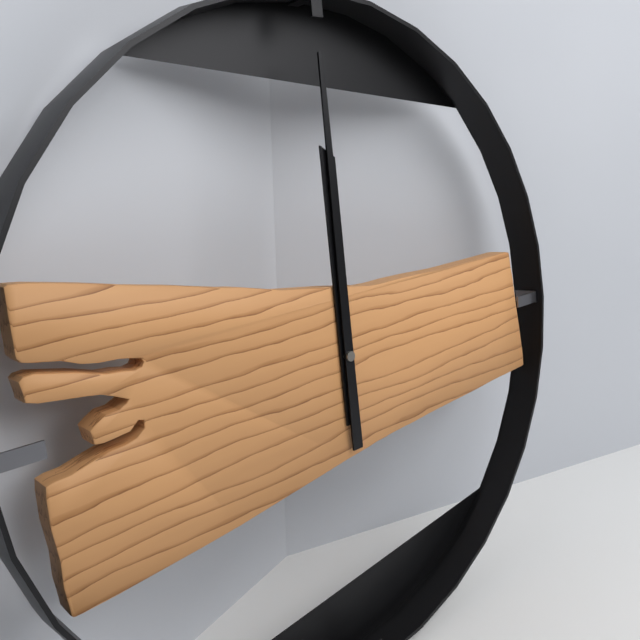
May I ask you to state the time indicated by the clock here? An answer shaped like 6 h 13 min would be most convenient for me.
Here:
12 h 00 min
